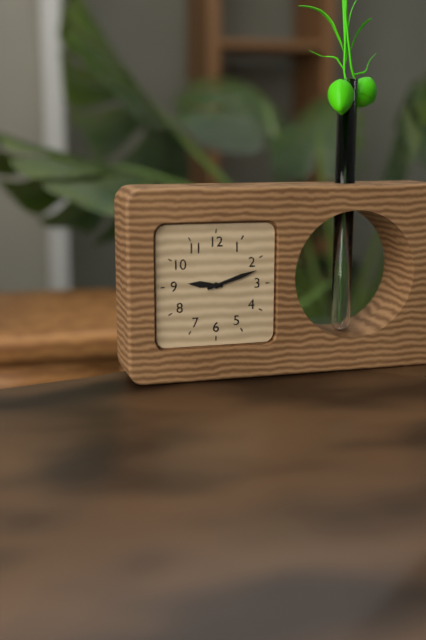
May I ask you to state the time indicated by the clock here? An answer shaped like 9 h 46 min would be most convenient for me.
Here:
9 h 12 min
